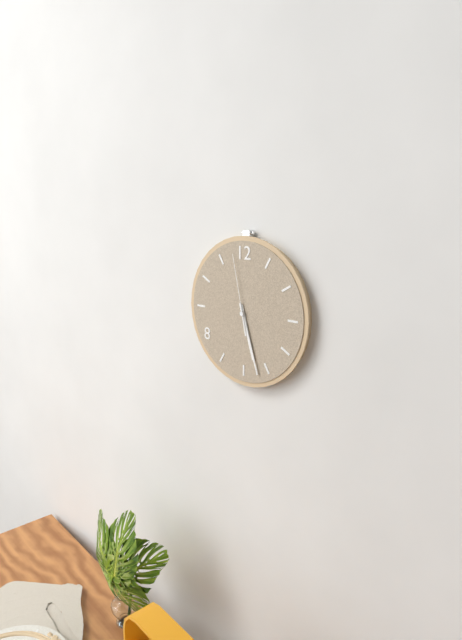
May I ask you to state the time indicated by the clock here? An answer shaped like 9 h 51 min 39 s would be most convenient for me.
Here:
5 h 27 min 58 s
